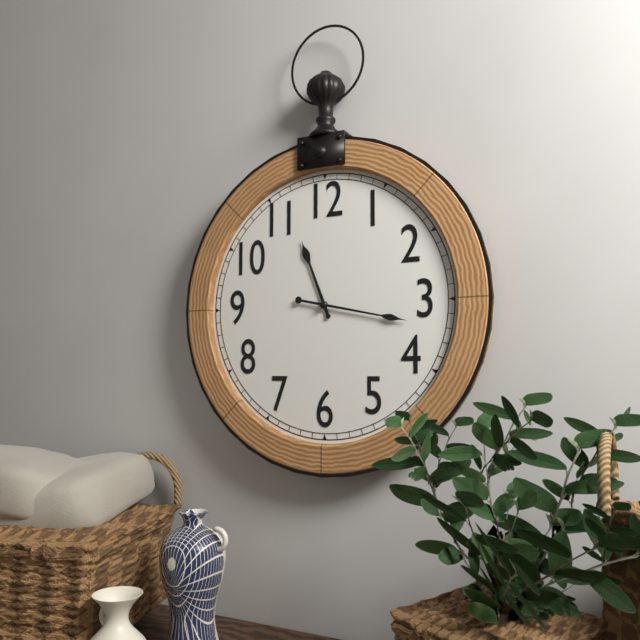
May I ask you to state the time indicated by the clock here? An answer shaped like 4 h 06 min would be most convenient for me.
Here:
11 h 17 min
